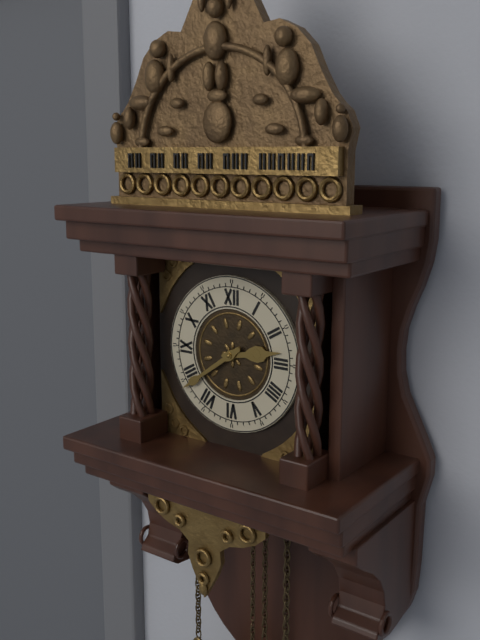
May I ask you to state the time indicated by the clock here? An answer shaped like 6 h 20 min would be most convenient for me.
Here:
2 h 39 min
